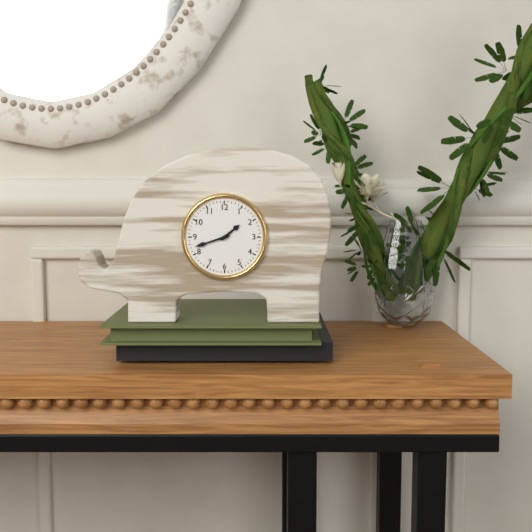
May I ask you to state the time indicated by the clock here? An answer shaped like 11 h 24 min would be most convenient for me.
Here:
1 h 42 min
